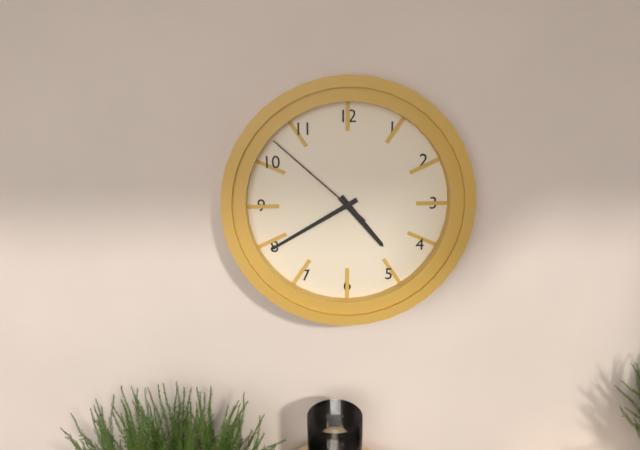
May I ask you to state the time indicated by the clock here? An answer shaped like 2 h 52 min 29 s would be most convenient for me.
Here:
4 h 40 min 52 s
